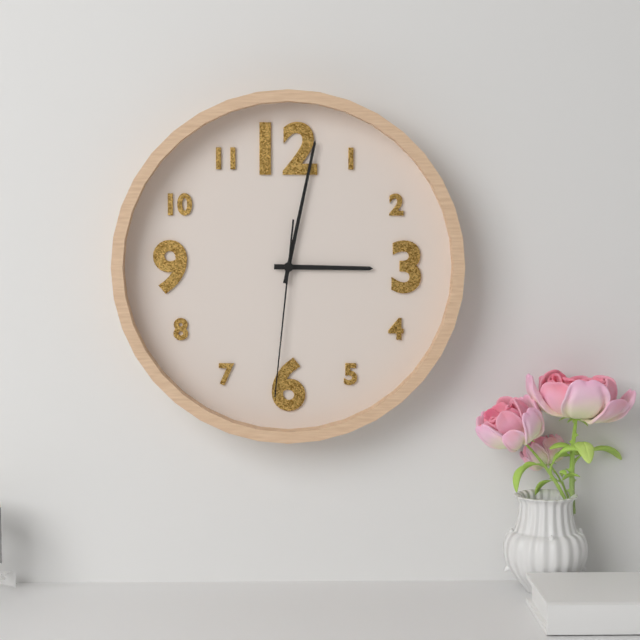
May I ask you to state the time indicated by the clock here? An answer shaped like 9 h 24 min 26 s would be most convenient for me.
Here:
3 h 02 min 31 s
